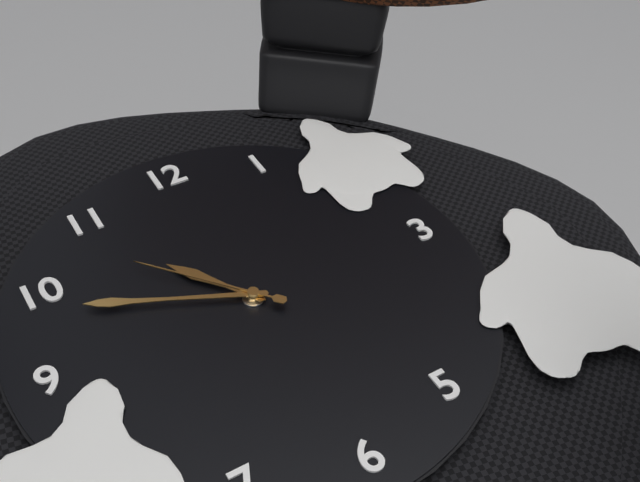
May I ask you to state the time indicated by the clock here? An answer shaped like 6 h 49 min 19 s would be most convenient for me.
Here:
10 h 49 min 53 s
